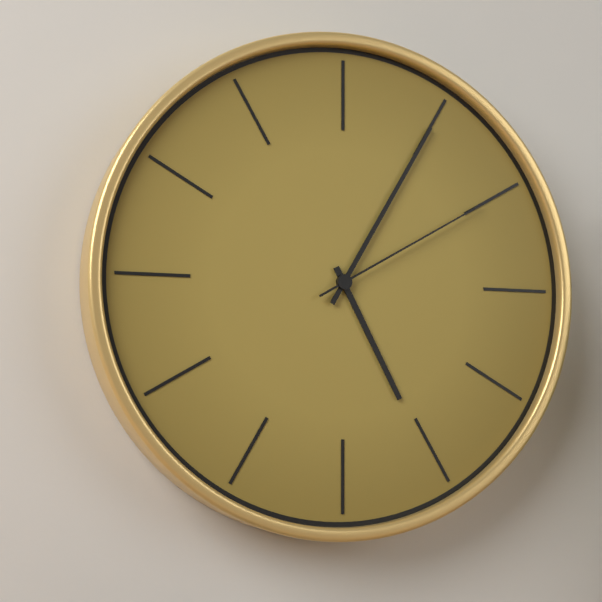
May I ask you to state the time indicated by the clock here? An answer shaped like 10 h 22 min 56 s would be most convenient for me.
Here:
5 h 05 min 10 s
